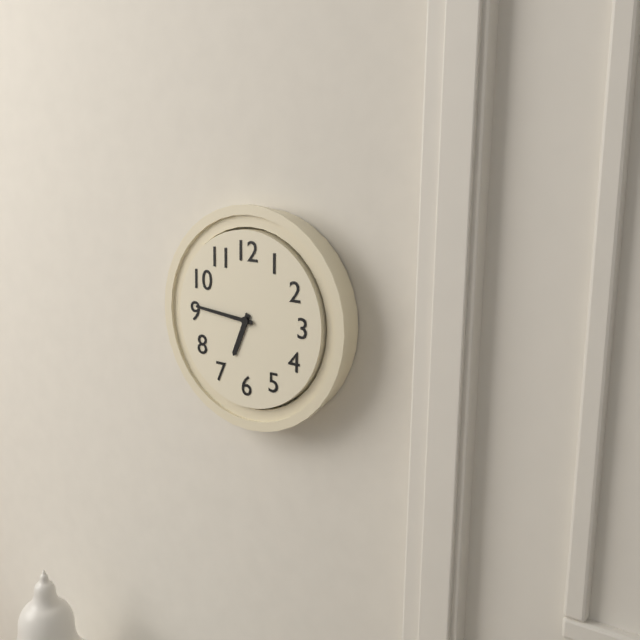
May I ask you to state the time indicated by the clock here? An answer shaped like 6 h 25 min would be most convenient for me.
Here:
6 h 46 min
